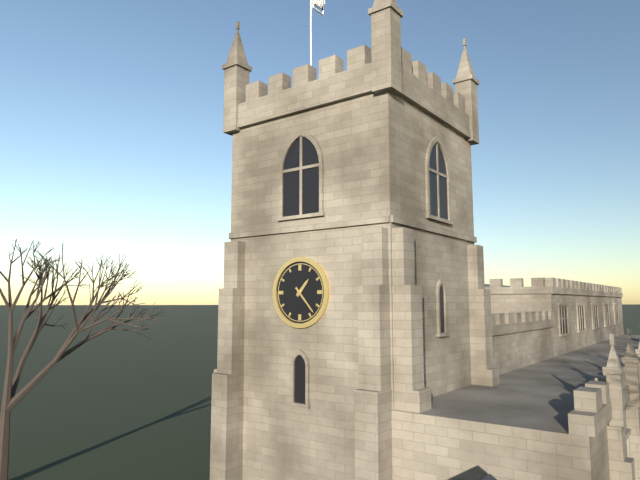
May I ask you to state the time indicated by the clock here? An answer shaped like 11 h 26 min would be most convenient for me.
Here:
1 h 23 min
